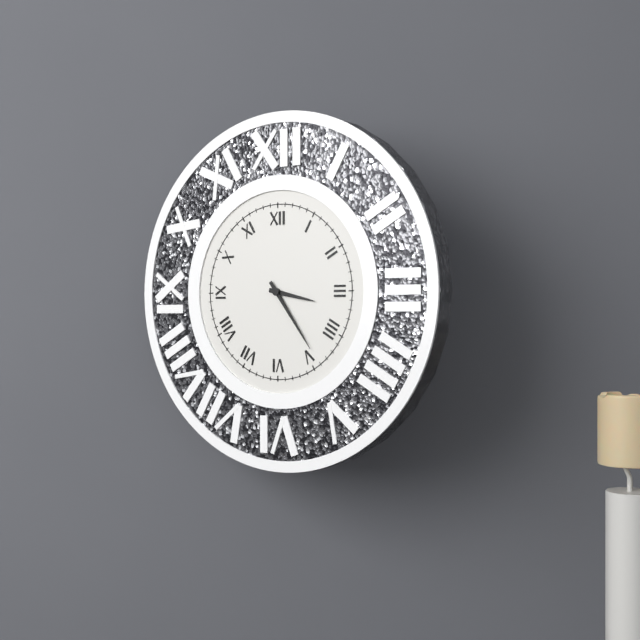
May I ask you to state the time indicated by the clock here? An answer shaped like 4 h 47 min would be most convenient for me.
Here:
3 h 24 min
